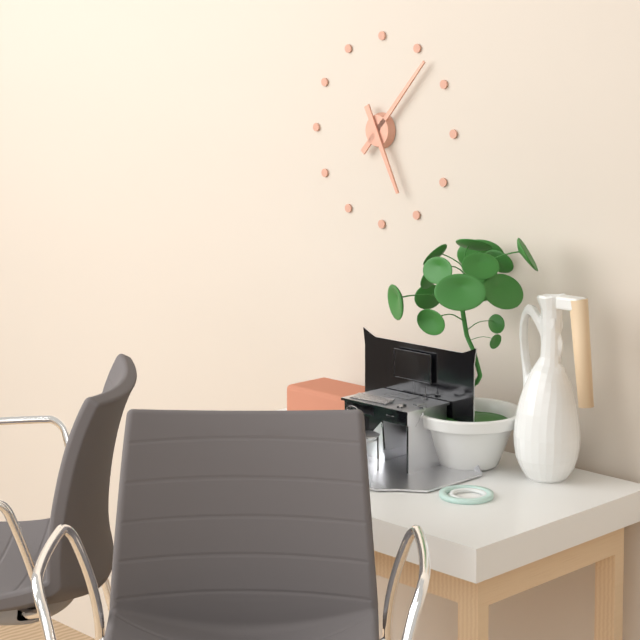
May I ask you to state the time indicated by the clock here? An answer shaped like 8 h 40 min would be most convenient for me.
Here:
5 h 07 min
